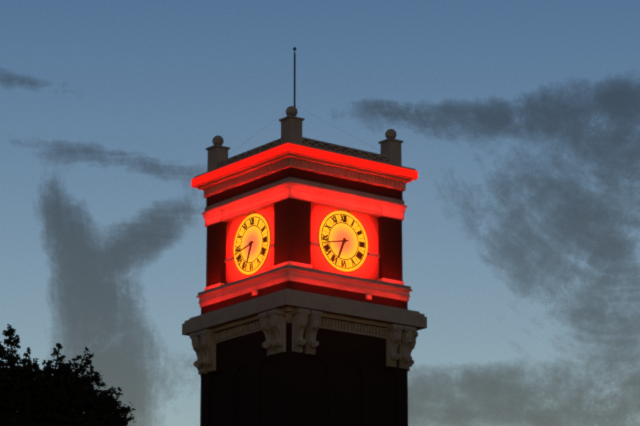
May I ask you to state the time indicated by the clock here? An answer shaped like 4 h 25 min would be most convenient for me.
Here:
6 h 43 min
